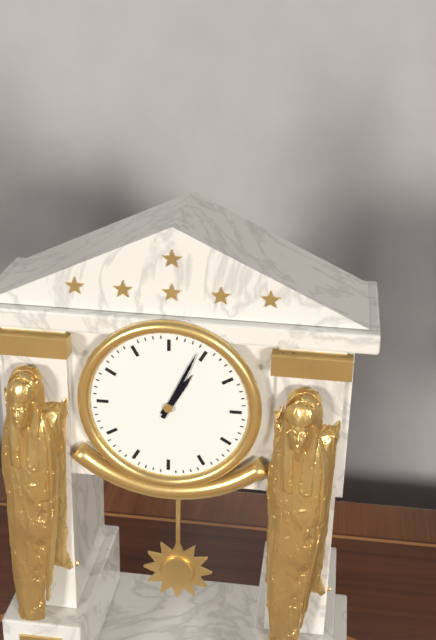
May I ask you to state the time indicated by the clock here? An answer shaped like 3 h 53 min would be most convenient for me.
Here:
1 h 04 min
